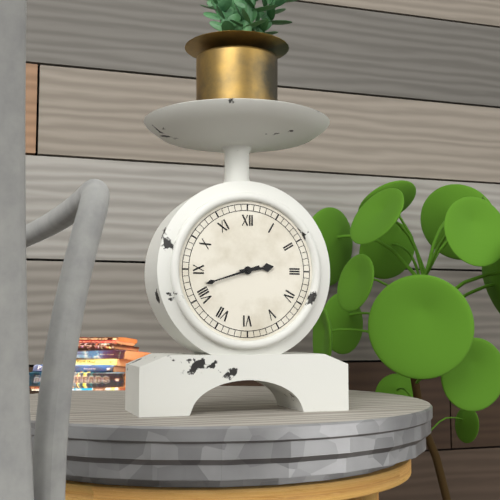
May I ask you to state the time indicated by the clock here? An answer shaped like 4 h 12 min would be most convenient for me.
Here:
2 h 42 min
